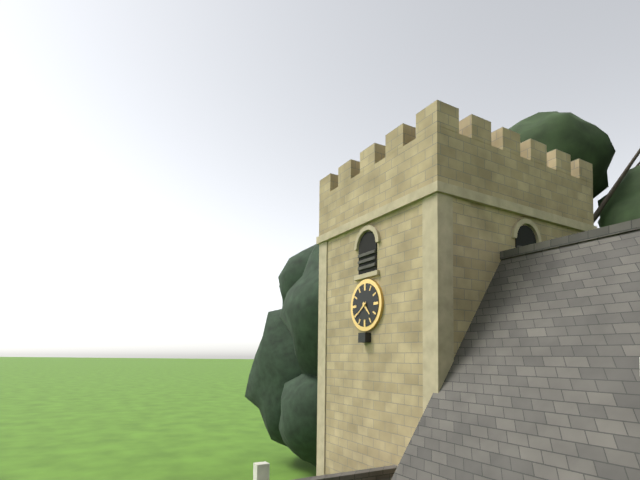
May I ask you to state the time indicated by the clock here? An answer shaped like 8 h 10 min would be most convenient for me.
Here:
4 h 39 min
